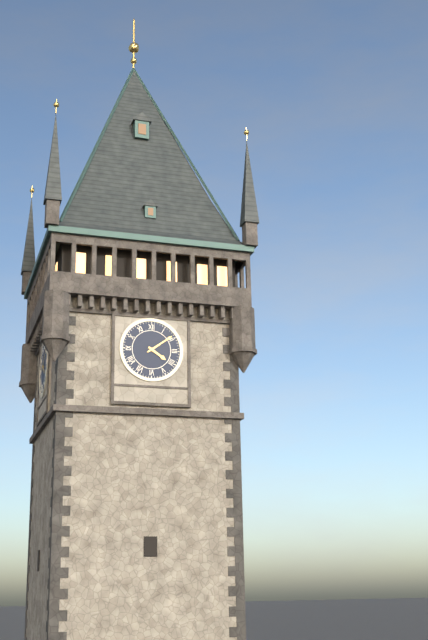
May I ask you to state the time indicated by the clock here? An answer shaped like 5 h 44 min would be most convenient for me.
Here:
4 h 09 min
